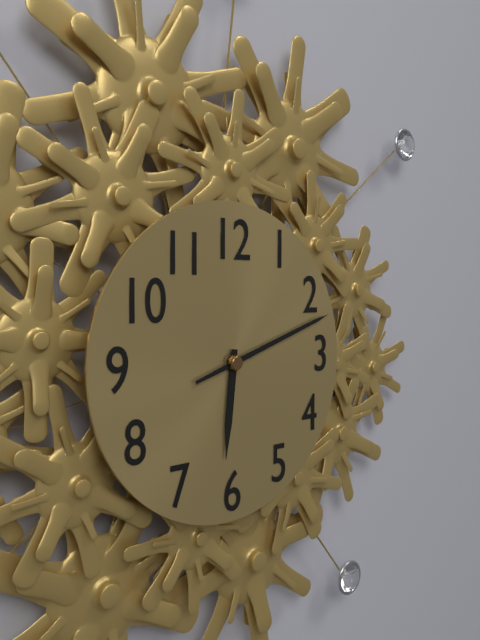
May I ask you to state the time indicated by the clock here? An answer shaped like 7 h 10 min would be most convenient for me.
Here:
6 h 12 min
